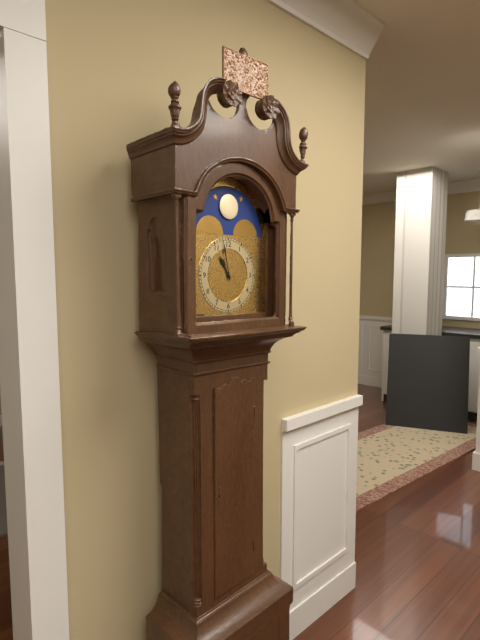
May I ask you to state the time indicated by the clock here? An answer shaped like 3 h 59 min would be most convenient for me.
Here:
10 h 58 min
